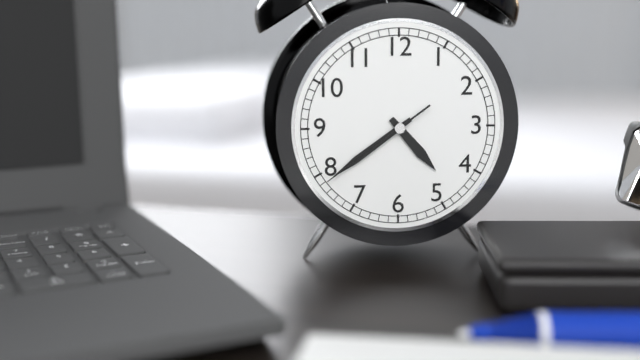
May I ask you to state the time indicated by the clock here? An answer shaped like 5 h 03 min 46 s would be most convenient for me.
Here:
4 h 39 min 39 s
